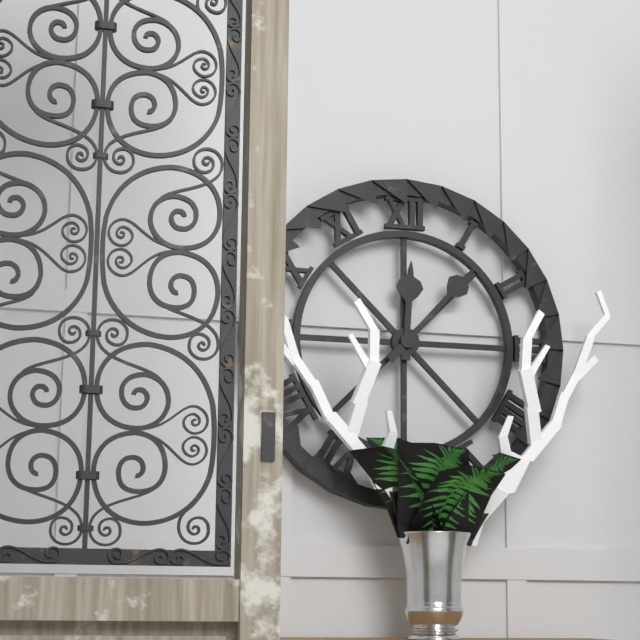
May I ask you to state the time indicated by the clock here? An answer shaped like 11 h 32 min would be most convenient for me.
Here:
12 h 07 min
